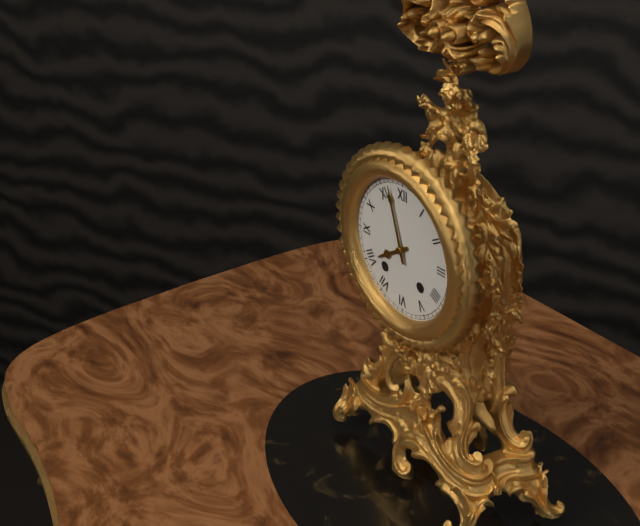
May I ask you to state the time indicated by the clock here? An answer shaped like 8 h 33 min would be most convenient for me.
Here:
7 h 57 min
